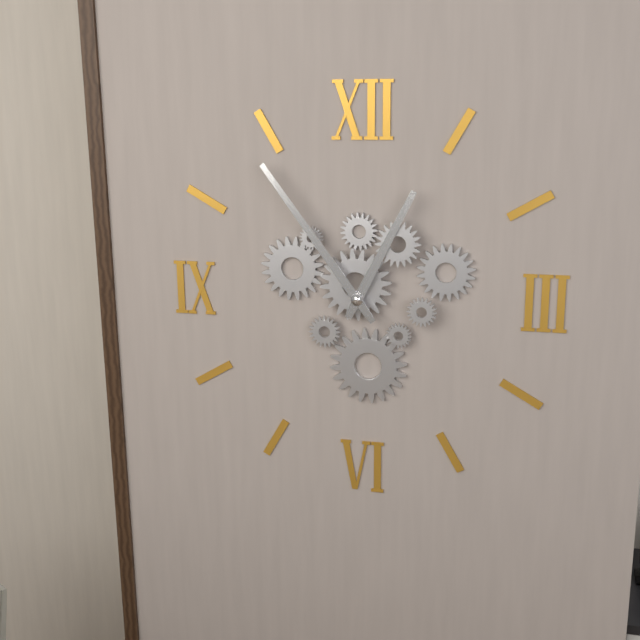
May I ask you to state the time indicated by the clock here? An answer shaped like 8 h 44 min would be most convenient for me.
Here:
12 h 54 min
